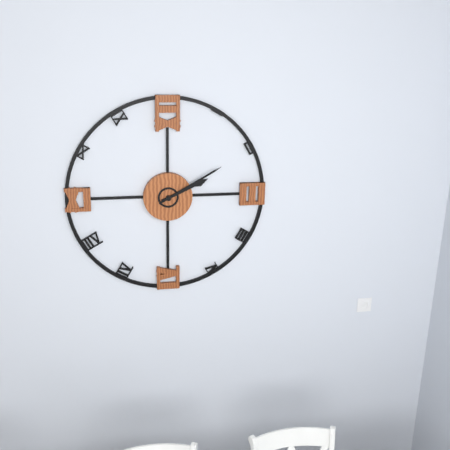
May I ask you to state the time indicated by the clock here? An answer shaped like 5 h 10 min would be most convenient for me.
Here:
2 h 10 min
